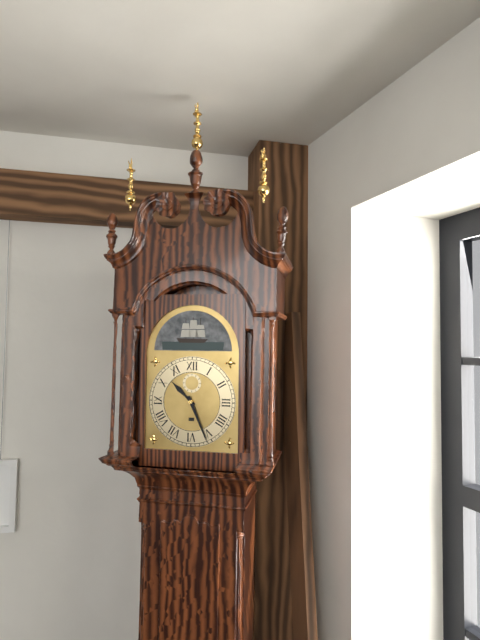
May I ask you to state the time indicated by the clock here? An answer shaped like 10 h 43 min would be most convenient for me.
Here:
10 h 26 min
